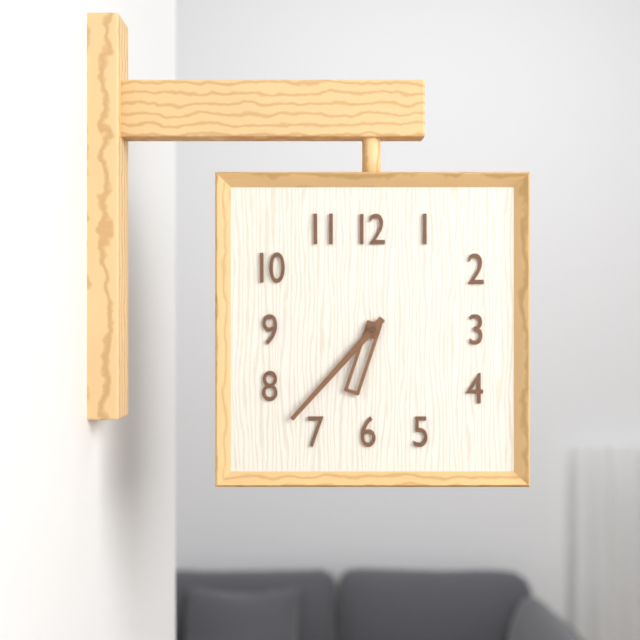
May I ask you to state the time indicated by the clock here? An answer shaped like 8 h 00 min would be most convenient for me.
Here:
6 h 37 min
